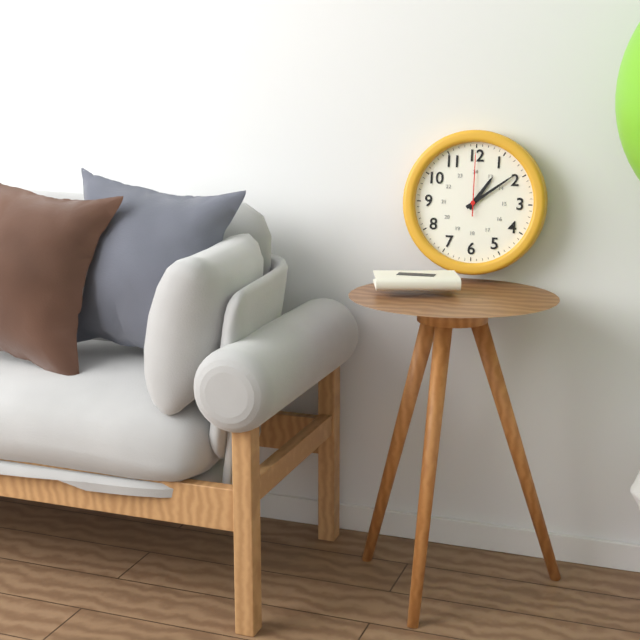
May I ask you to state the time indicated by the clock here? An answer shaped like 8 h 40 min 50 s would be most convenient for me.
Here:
1 h 09 min 00 s
